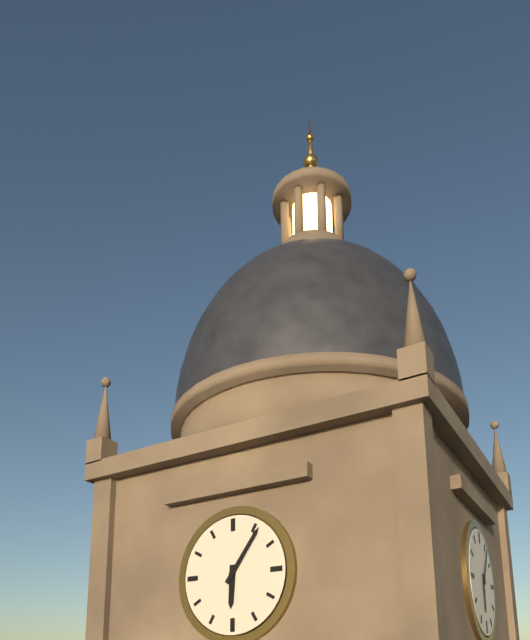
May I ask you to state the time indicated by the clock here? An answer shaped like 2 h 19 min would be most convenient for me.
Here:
6 h 06 min
